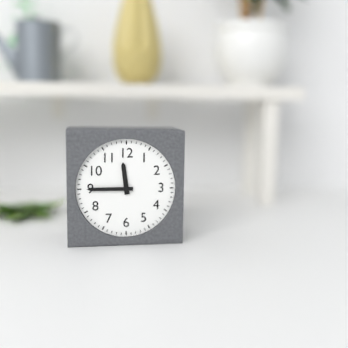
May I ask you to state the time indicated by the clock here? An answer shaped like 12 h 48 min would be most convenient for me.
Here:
11 h 45 min
